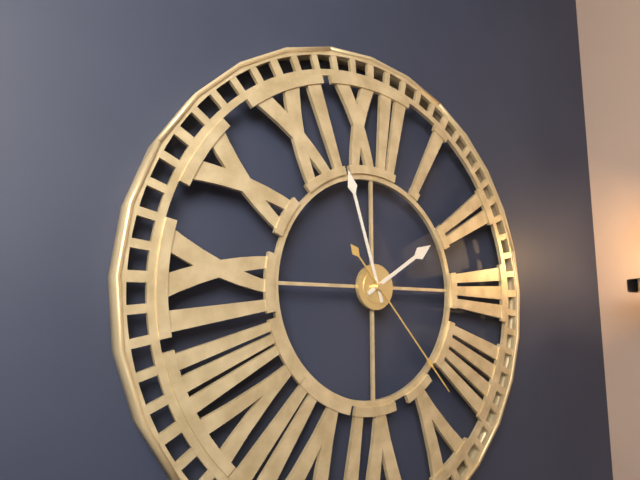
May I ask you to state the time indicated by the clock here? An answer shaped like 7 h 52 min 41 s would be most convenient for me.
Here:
1 h 57 min 23 s
